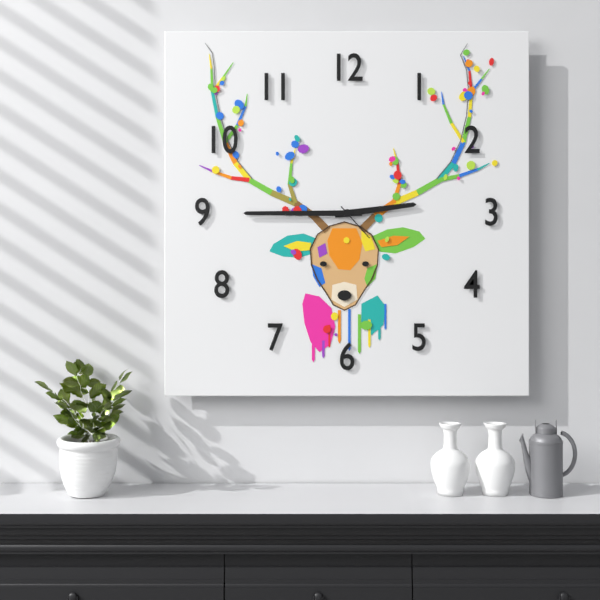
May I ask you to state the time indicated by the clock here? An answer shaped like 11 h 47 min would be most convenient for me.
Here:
2 h 45 min
